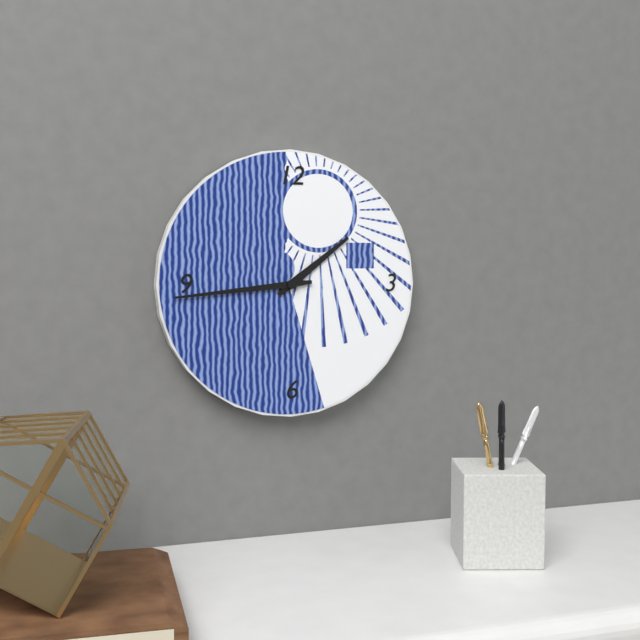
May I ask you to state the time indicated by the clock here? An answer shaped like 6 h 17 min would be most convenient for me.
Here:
1 h 44 min
